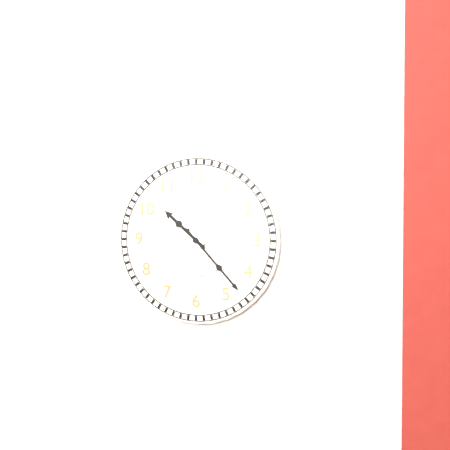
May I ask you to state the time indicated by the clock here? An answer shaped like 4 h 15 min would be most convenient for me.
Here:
10 h 23 min
